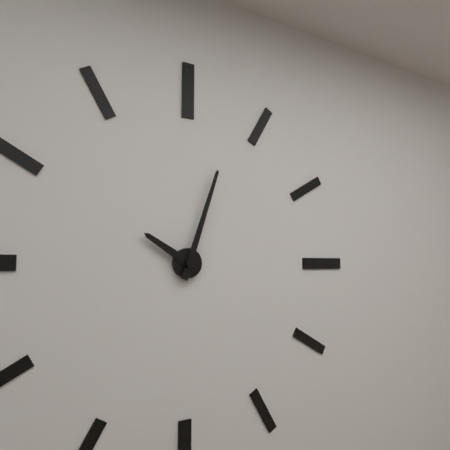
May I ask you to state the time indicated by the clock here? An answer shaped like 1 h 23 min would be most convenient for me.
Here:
10 h 03 min
